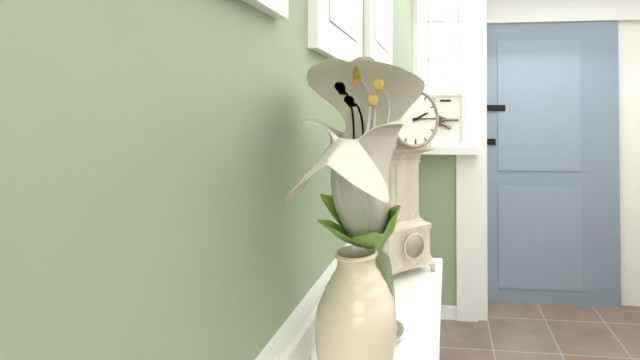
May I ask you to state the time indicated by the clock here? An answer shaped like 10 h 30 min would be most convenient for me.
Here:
2 h 15 min
